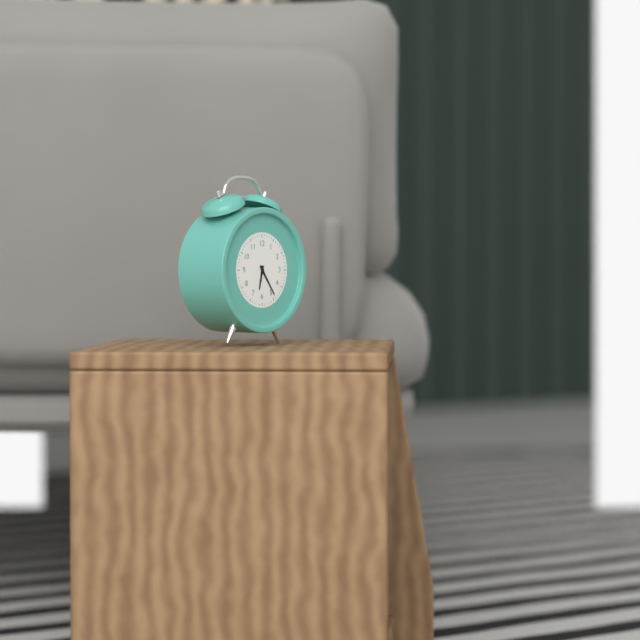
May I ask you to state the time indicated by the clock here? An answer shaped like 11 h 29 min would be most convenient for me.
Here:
6 h 24 min
